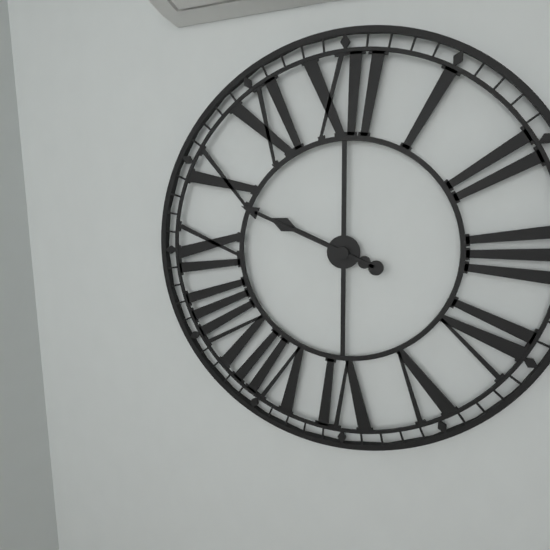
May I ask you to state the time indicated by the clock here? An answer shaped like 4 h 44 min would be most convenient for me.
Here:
9 h 49 min
